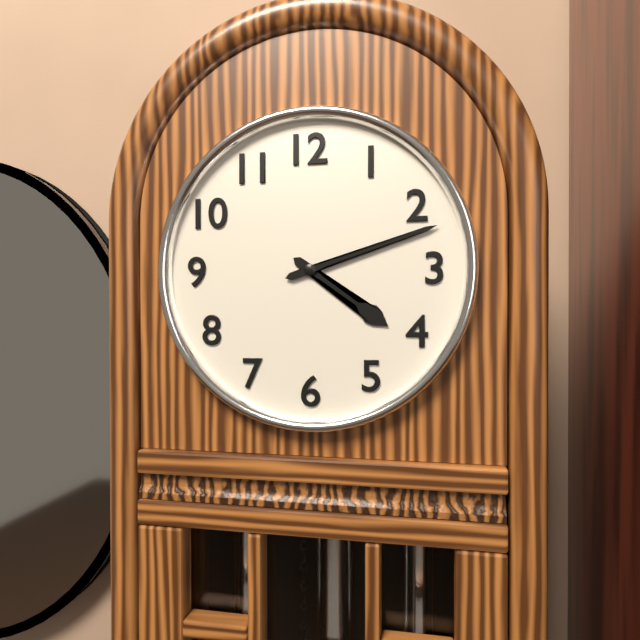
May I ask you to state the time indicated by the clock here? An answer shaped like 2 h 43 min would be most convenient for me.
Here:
4 h 12 min
